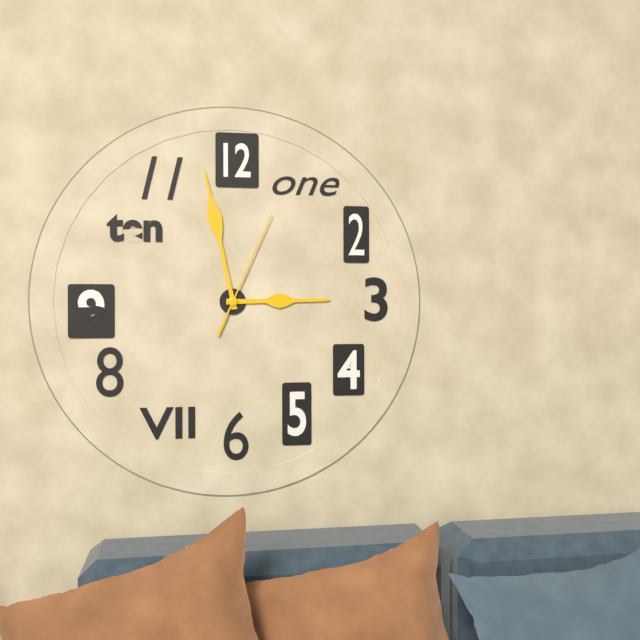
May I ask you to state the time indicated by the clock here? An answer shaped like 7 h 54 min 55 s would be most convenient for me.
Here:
2 h 58 min 04 s
